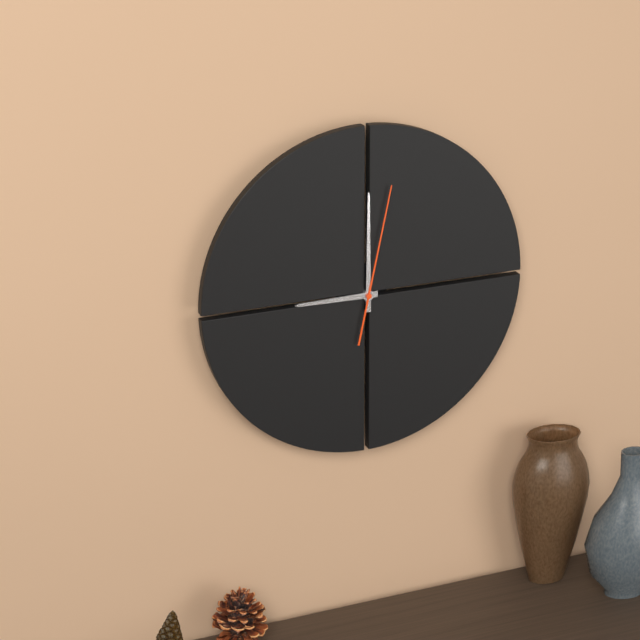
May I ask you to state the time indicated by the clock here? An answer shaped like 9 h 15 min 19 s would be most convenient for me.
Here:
9 h 00 min 02 s
